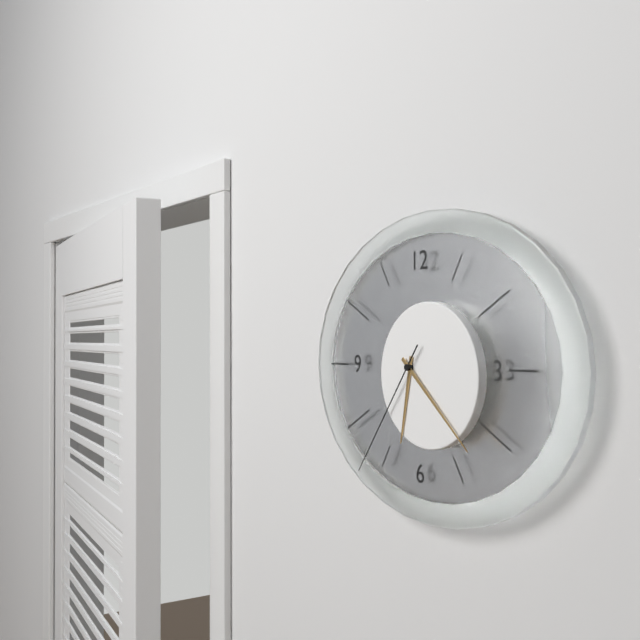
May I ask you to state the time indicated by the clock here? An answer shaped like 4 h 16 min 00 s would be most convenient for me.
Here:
6 h 22 min 36 s
